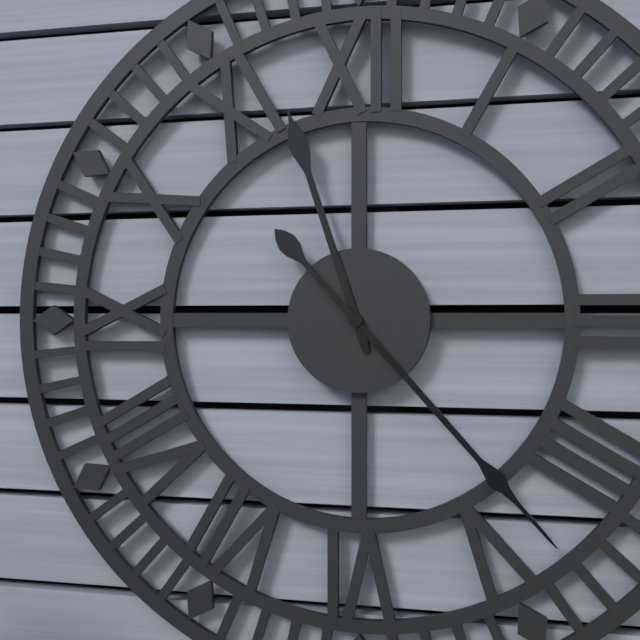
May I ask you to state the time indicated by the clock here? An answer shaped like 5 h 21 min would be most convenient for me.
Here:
11 h 23 min
